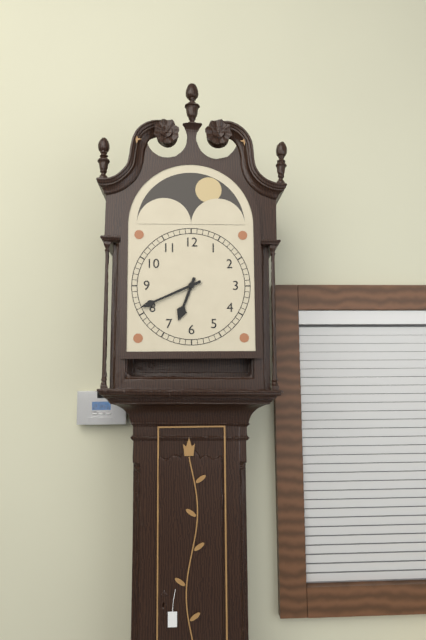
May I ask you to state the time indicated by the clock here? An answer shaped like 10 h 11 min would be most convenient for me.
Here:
6 h 41 min
